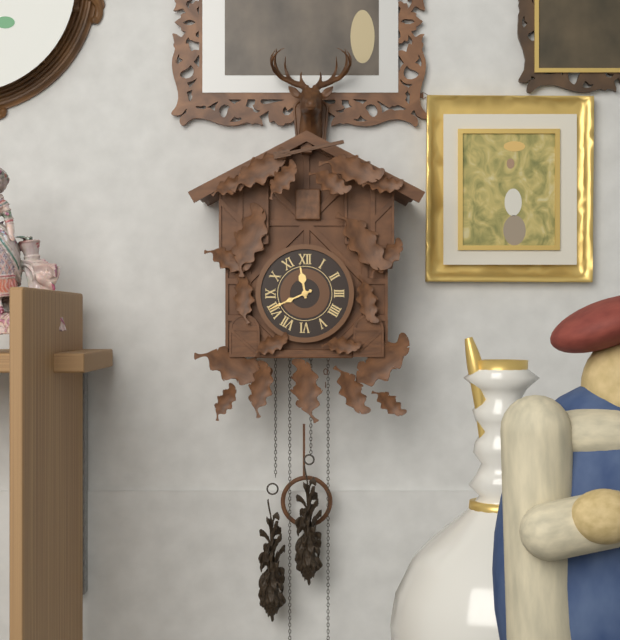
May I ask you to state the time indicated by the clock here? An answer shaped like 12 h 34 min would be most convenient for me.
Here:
11 h 41 min
